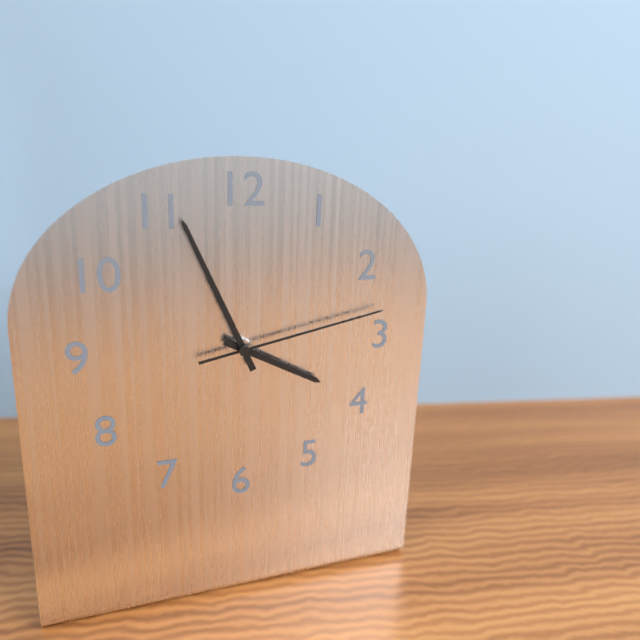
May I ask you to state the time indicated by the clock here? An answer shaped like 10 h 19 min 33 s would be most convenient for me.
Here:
3 h 56 min 13 s
